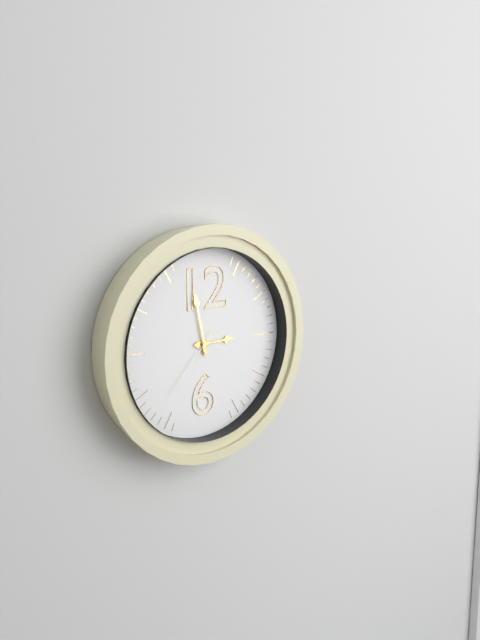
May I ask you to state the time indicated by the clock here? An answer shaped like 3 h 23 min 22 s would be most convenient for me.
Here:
2 h 58 min 37 s
